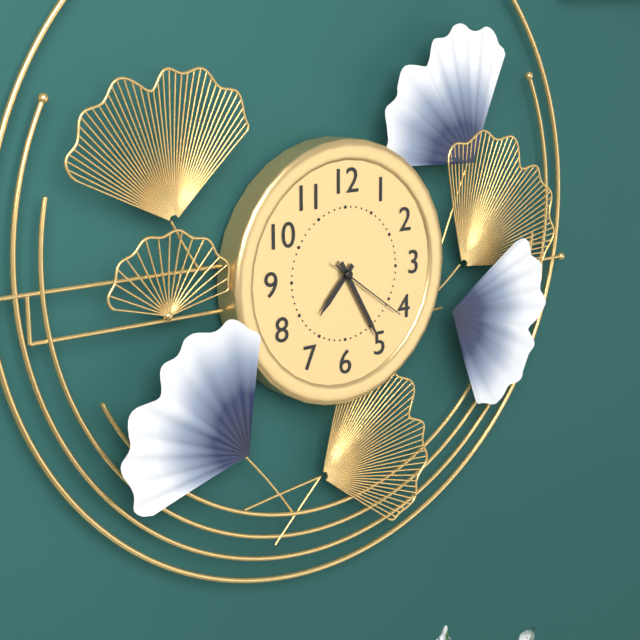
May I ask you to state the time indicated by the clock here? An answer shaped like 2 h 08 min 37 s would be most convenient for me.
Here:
7 h 25 min 21 s
